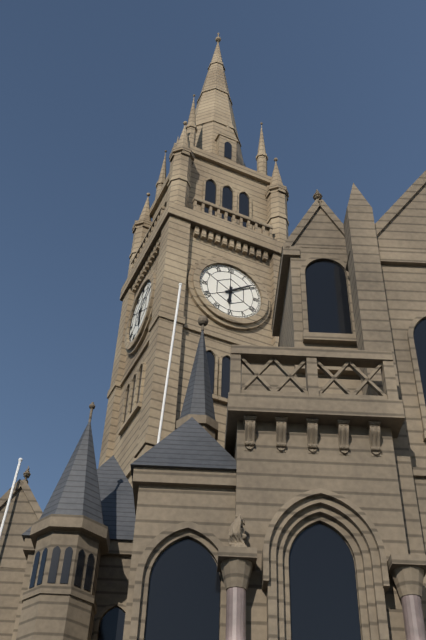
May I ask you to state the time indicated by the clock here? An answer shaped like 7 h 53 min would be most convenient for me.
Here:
6 h 09 min
